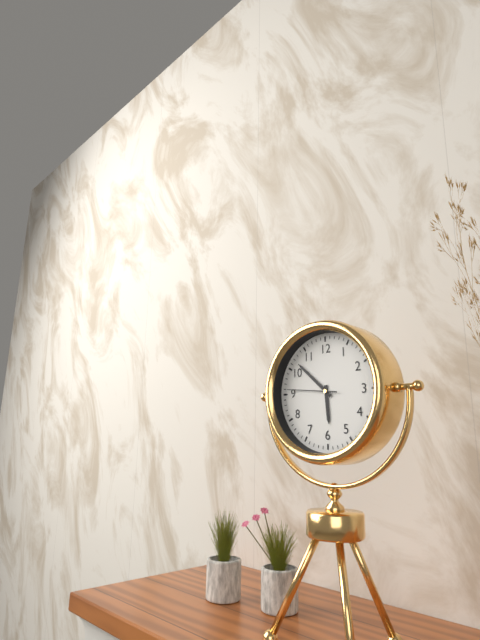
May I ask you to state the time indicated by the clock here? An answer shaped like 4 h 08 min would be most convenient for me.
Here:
5 h 52 min
